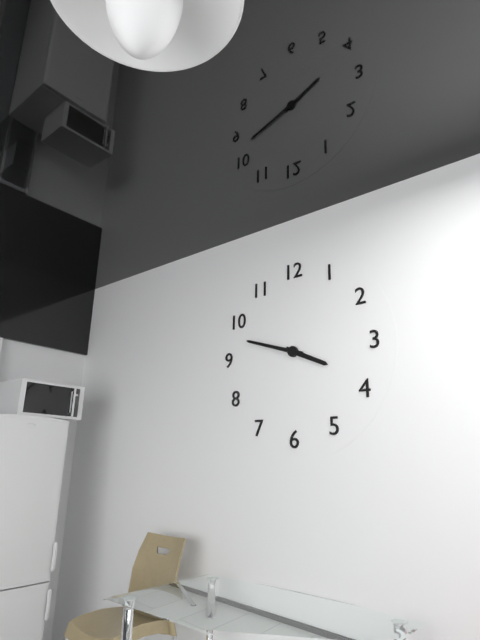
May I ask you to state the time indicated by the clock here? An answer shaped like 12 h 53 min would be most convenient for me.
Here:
3 h 48 min
